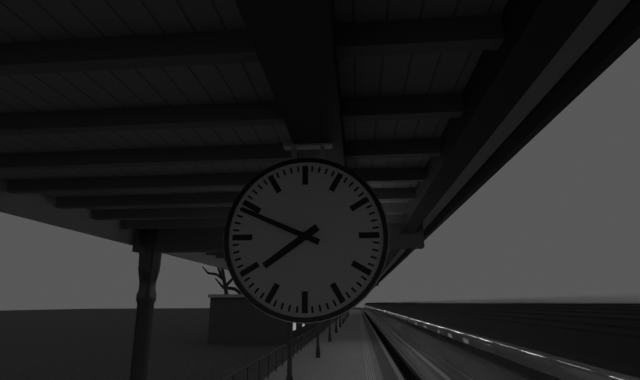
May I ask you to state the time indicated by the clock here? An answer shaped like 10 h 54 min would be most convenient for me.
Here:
7 h 49 min
